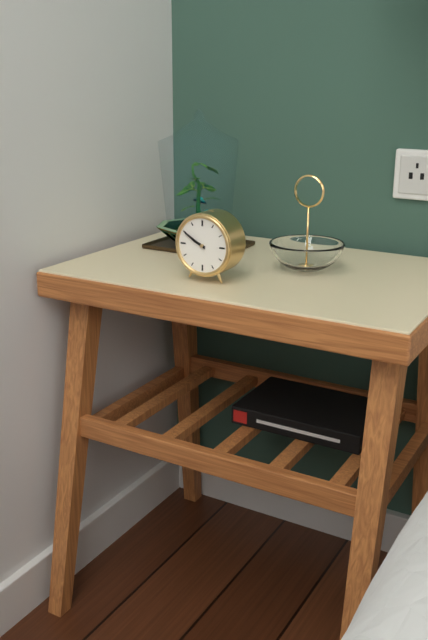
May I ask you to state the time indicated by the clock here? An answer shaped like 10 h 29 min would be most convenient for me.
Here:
9 h 50 min
